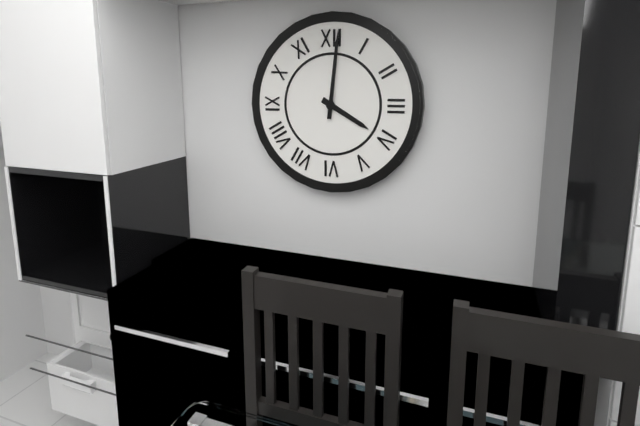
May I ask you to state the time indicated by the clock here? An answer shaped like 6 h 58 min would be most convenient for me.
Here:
4 h 01 min
